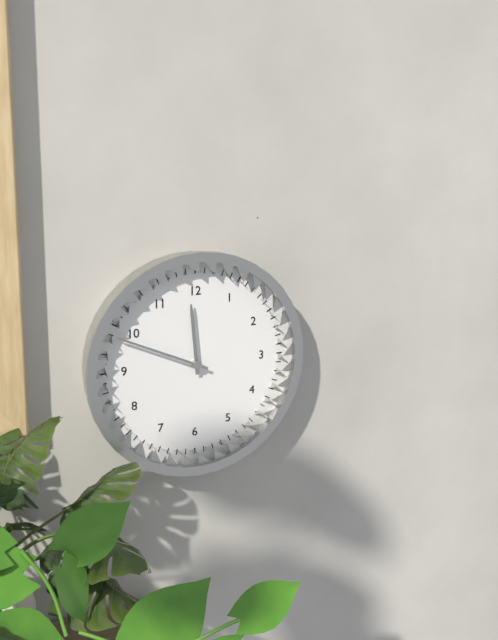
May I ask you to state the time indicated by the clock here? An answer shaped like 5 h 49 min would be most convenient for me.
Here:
11 h 49 min
